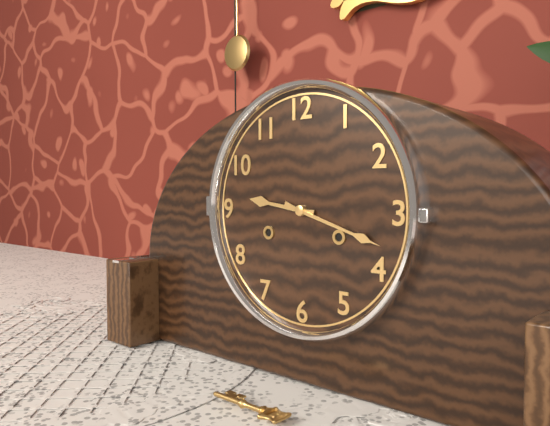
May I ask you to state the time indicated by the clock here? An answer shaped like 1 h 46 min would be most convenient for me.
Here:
9 h 18 min
